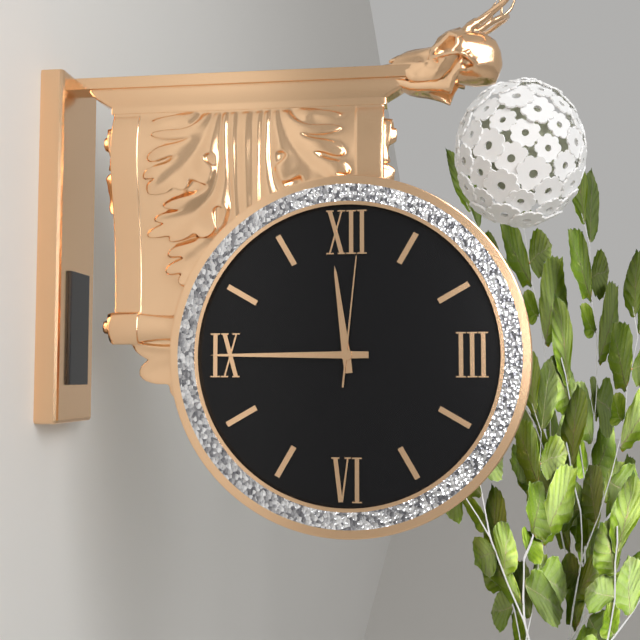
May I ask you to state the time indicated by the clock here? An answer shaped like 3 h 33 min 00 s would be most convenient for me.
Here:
11 h 45 min 01 s
